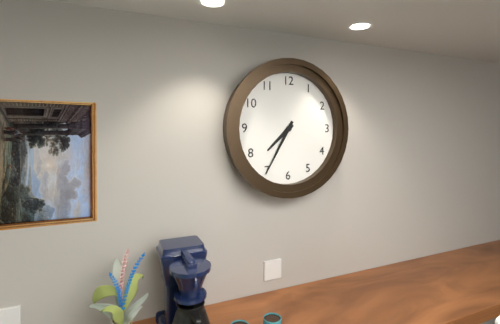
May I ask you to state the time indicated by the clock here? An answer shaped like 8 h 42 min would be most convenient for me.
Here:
7 h 35 min
